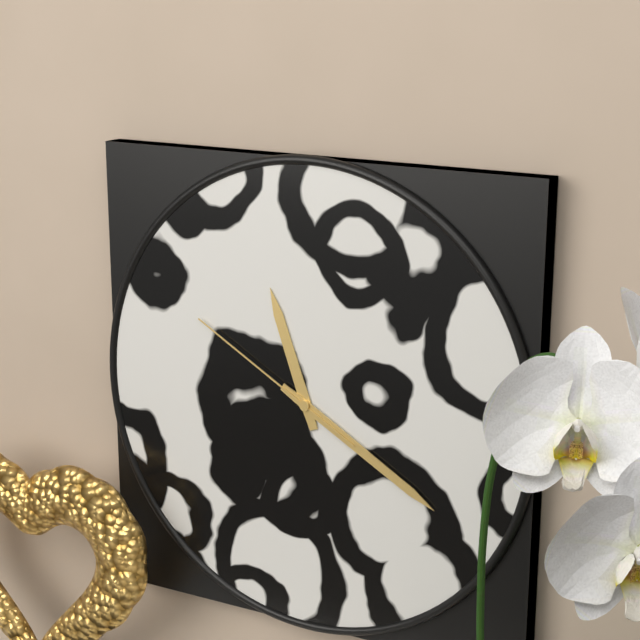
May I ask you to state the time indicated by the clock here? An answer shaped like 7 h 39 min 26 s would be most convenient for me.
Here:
11 h 20 min 50 s
